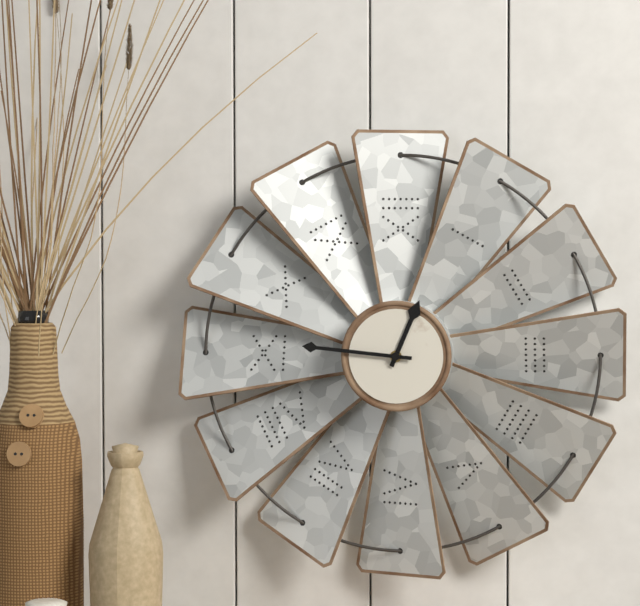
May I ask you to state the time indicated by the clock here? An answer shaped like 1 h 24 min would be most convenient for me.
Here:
12 h 46 min
